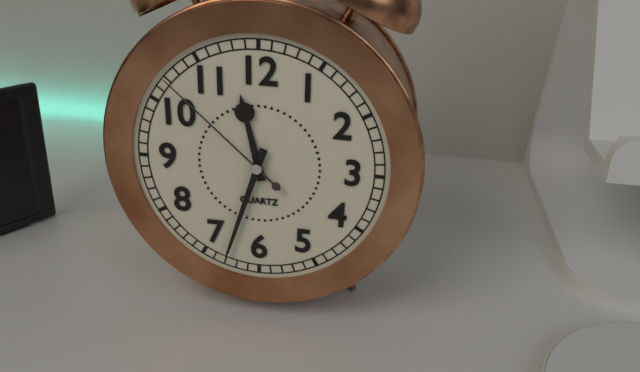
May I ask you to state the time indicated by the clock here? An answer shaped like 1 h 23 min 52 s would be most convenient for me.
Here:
11 h 33 min 52 s
